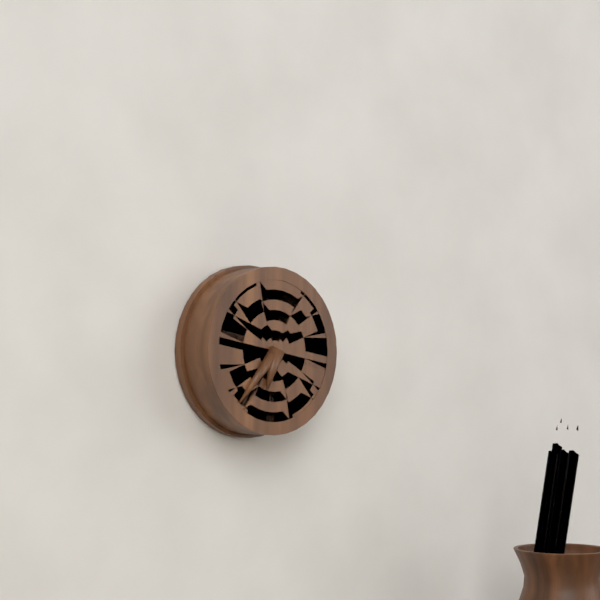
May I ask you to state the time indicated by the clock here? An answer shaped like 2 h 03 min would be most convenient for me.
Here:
6 h 37 min
